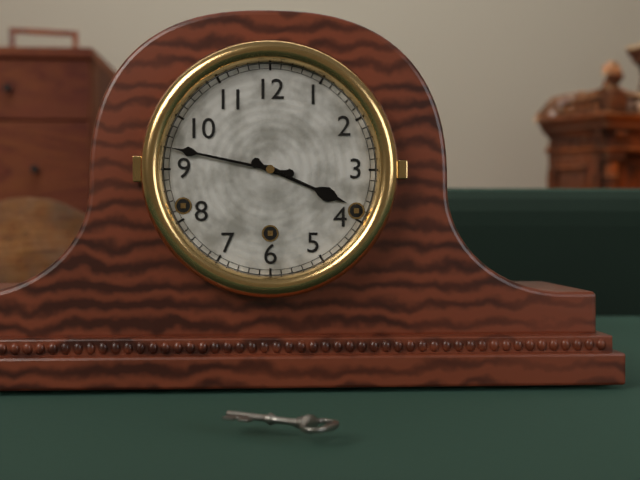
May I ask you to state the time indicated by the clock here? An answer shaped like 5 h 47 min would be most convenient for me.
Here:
3 h 47 min
